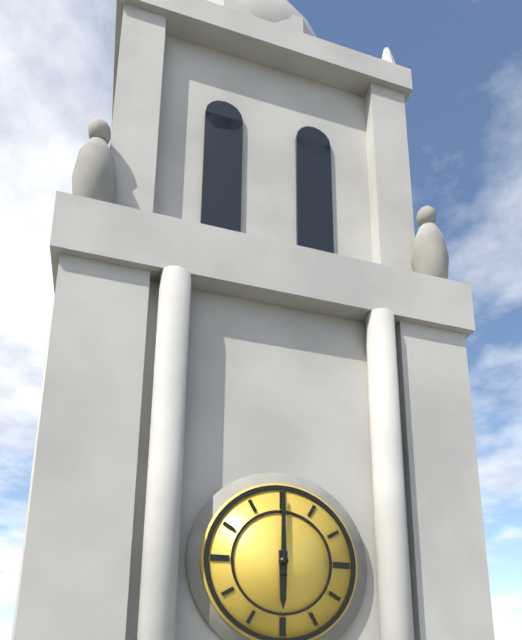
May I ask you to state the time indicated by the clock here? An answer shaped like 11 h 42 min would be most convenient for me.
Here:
6 h 00 min
